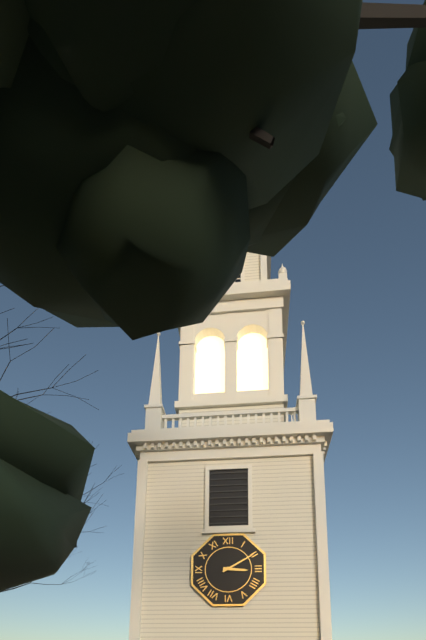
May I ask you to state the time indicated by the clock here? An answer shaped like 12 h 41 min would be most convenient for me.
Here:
3 h 10 min
